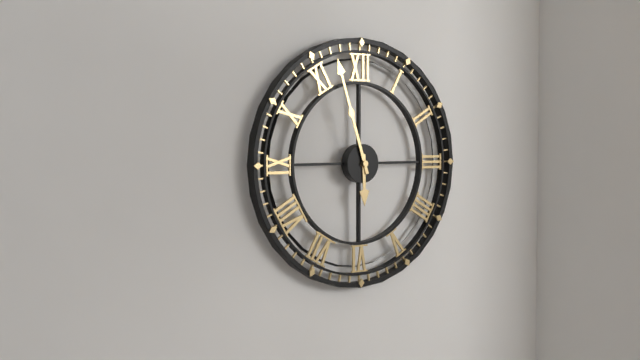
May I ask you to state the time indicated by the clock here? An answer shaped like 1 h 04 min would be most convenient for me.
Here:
5 h 57 min
